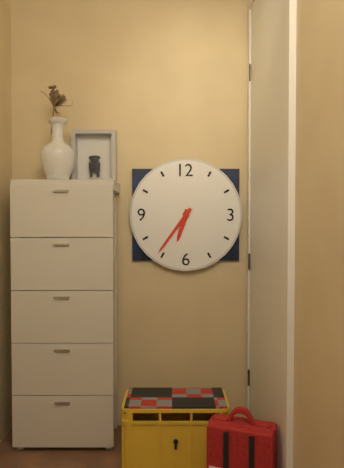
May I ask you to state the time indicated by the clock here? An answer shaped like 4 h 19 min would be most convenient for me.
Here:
6 h 36 min
